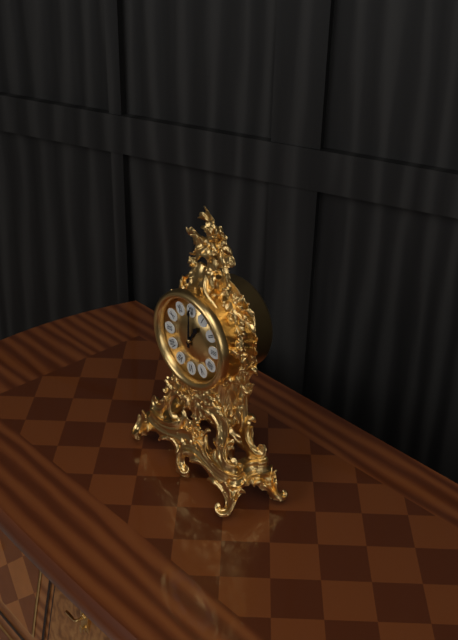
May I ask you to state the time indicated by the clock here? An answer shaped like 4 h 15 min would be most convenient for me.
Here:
1 h 00 min
